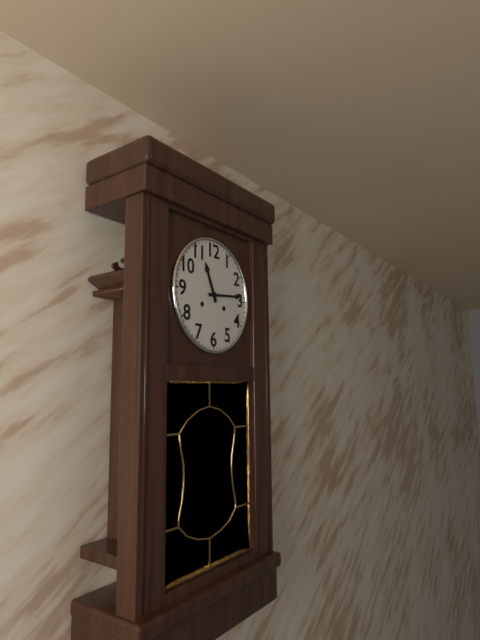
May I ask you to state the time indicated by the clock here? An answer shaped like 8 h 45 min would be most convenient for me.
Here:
11 h 14 min
